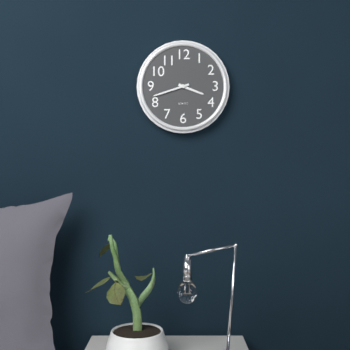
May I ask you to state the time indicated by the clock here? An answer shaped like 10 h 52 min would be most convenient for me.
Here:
3 h 42 min
